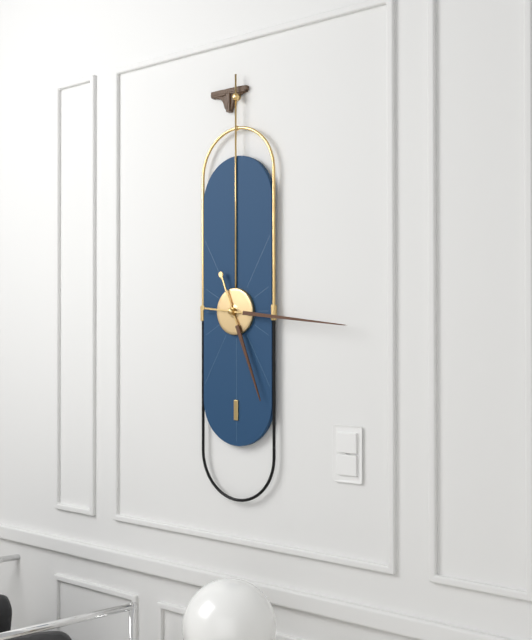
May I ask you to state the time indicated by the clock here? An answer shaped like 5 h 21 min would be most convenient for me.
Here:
5 h 16 min
